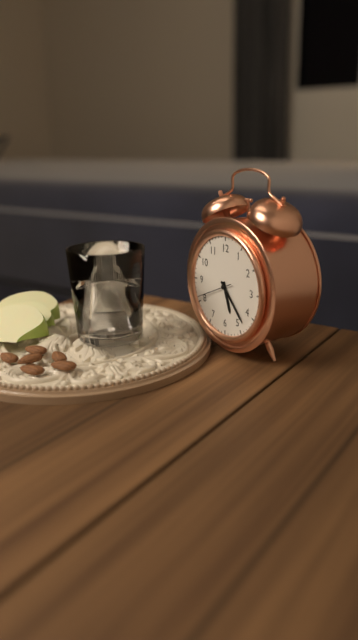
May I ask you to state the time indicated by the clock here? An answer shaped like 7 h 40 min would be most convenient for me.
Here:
5 h 23 min
